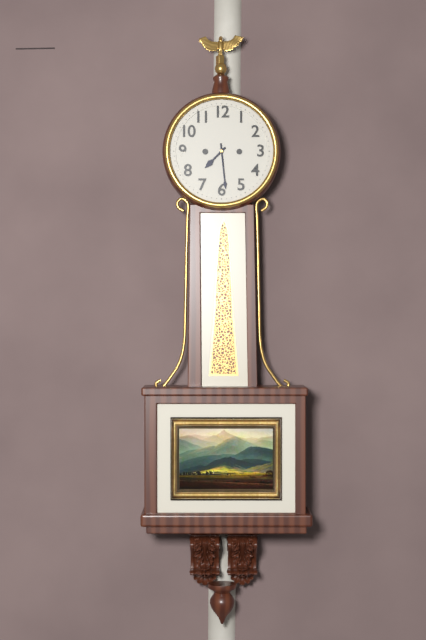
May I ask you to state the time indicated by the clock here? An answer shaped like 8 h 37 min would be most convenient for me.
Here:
7 h 29 min
